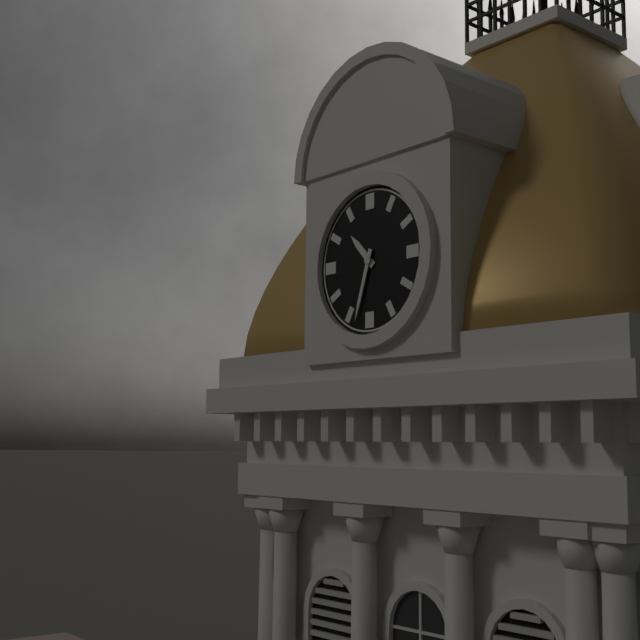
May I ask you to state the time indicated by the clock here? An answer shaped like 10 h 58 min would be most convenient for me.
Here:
10 h 33 min
